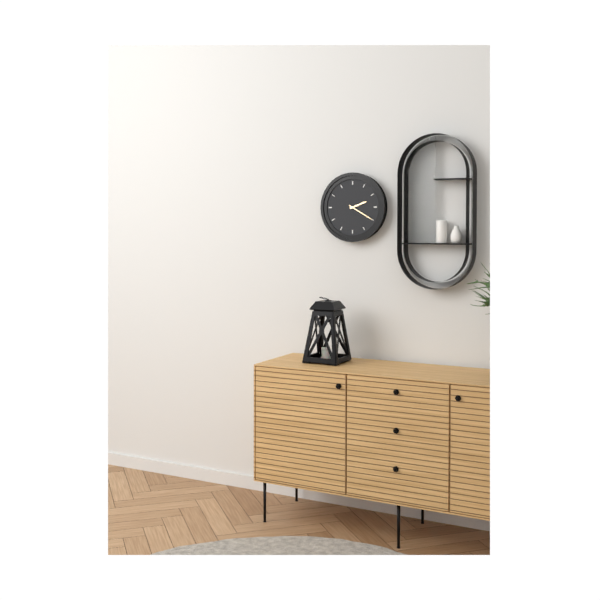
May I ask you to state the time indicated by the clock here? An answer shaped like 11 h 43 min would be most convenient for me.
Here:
2 h 20 min
